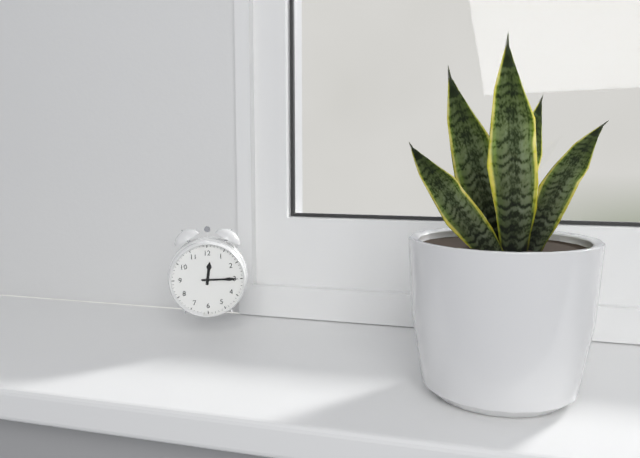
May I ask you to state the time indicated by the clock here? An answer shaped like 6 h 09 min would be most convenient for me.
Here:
12 h 15 min
